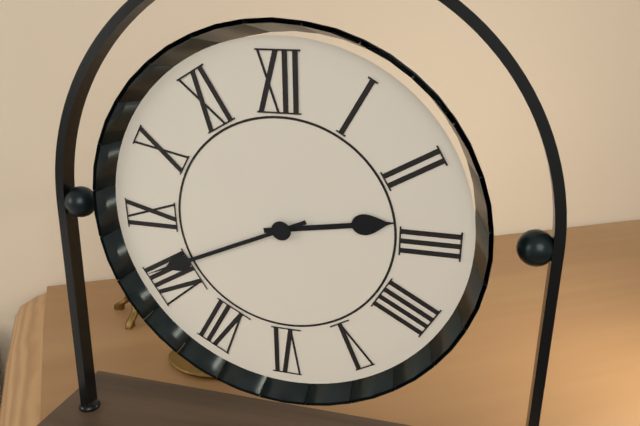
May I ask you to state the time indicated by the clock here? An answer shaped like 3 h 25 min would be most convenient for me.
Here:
2 h 41 min
